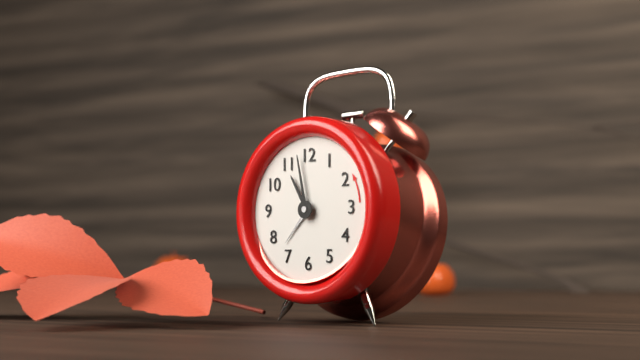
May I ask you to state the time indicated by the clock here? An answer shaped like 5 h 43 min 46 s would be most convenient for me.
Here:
10 h 58 min 37 s
